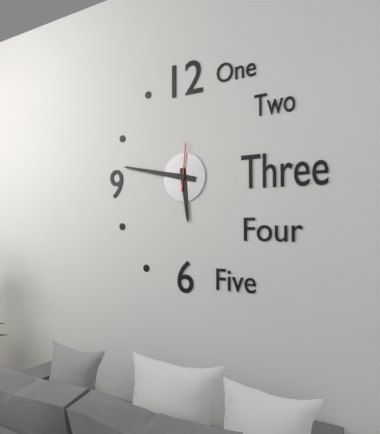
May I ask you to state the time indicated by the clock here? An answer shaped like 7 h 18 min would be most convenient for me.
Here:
5 h 47 min
